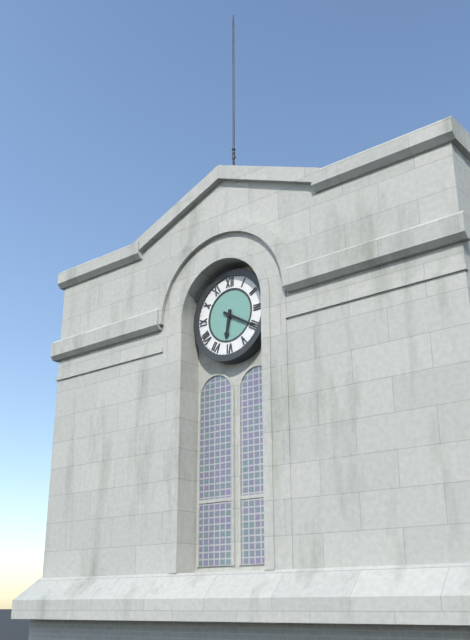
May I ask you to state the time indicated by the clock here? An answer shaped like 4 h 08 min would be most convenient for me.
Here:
6 h 20 min
